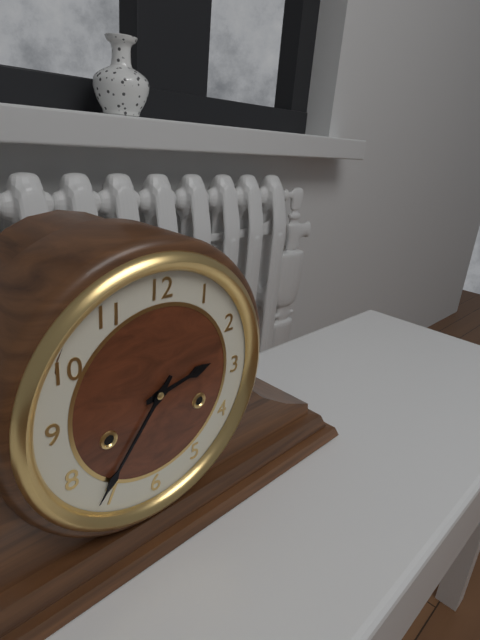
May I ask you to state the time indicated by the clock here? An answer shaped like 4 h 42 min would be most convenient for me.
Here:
2 h 36 min
